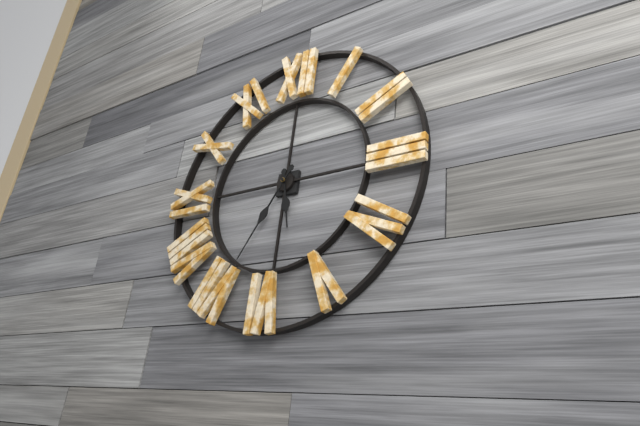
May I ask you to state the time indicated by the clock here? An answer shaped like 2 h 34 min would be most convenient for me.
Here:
5 h 35 min
